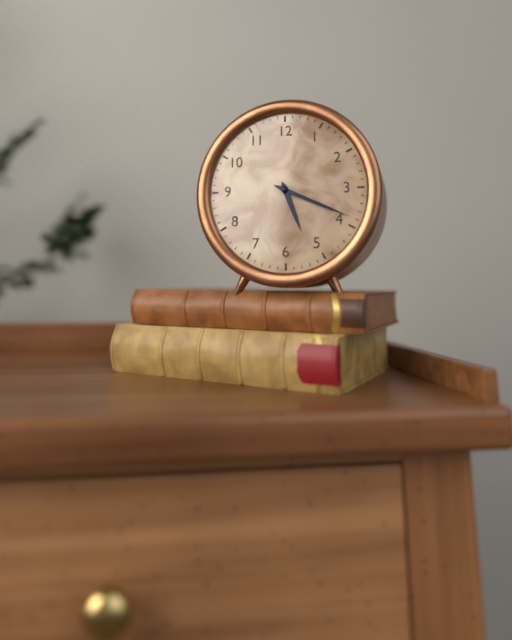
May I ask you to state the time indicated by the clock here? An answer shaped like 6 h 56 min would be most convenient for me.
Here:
5 h 19 min
